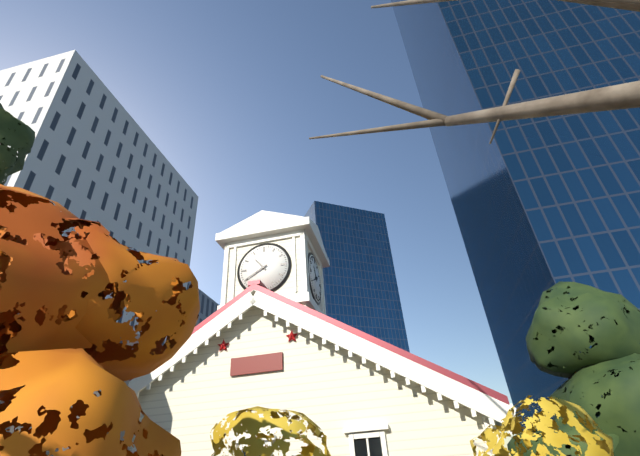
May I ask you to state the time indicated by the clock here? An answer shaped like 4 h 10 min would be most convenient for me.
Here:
10 h 40 min
